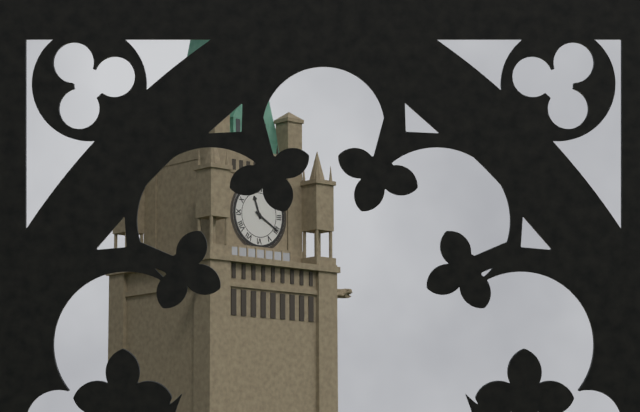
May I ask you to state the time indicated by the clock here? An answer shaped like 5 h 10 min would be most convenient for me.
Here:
11 h 20 min
